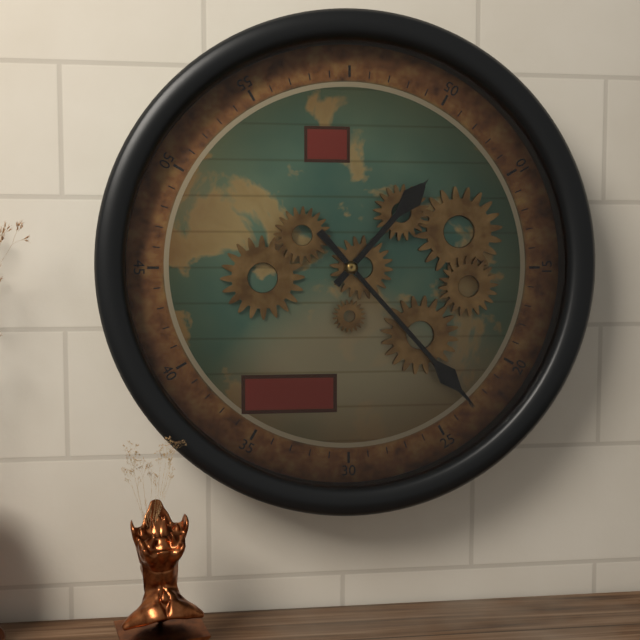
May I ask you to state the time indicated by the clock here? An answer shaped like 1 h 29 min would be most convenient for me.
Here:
1 h 23 min
